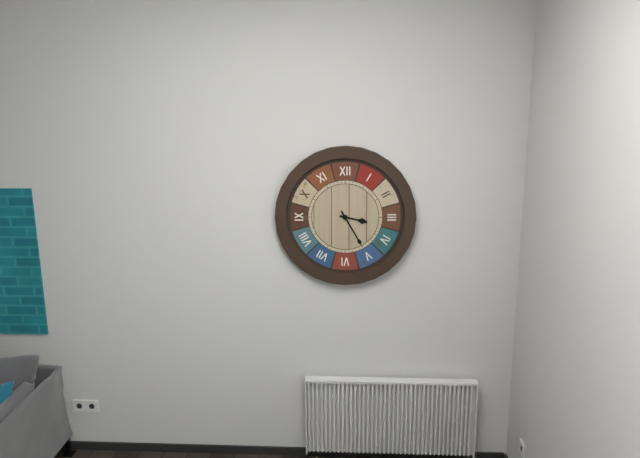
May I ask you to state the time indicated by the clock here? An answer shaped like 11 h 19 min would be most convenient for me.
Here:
3 h 25 min
